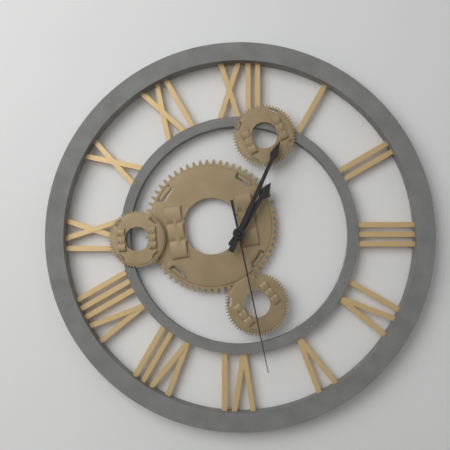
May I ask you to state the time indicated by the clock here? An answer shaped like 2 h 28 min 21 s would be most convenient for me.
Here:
1 h 04 min 28 s
